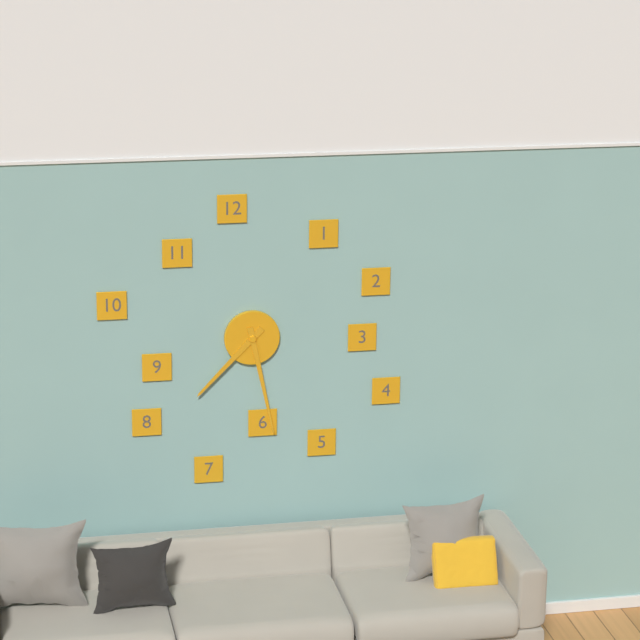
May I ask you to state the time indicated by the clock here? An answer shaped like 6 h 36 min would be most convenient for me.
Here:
7 h 28 min
